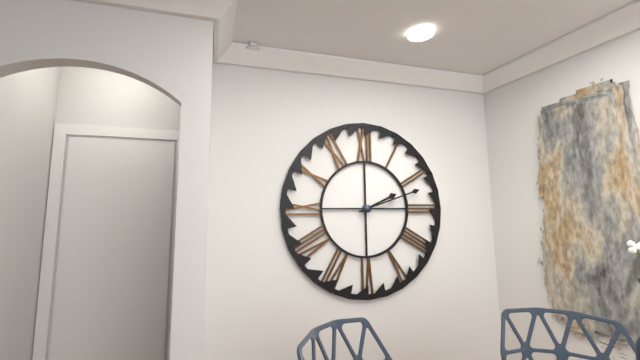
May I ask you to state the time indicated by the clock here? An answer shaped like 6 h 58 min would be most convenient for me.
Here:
2 h 12 min
